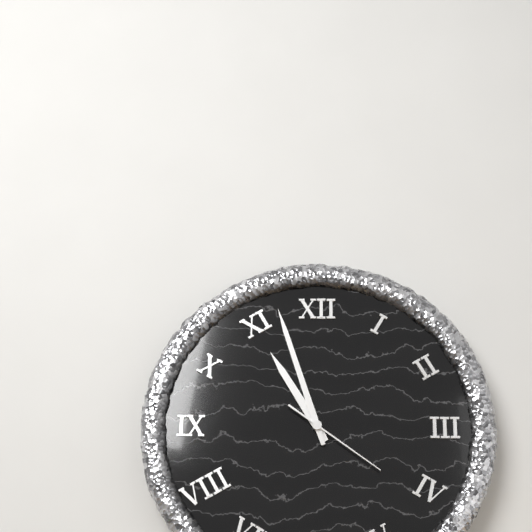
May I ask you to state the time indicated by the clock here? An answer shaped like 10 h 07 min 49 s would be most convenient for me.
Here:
10 h 57 min 21 s
